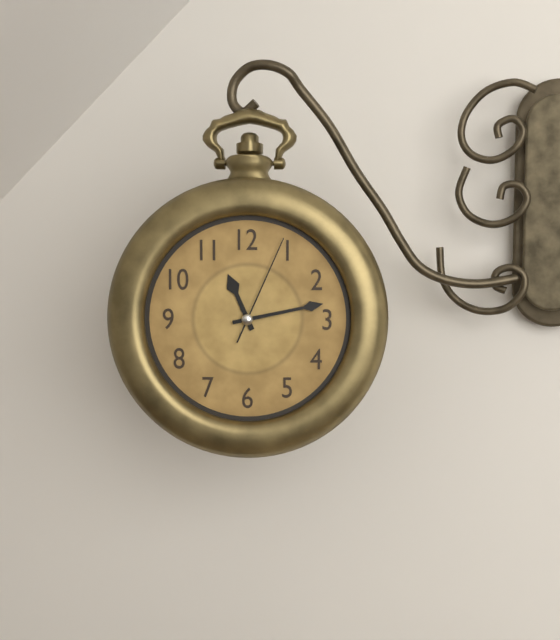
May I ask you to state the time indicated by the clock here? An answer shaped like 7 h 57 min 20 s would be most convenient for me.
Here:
11 h 13 min 04 s
